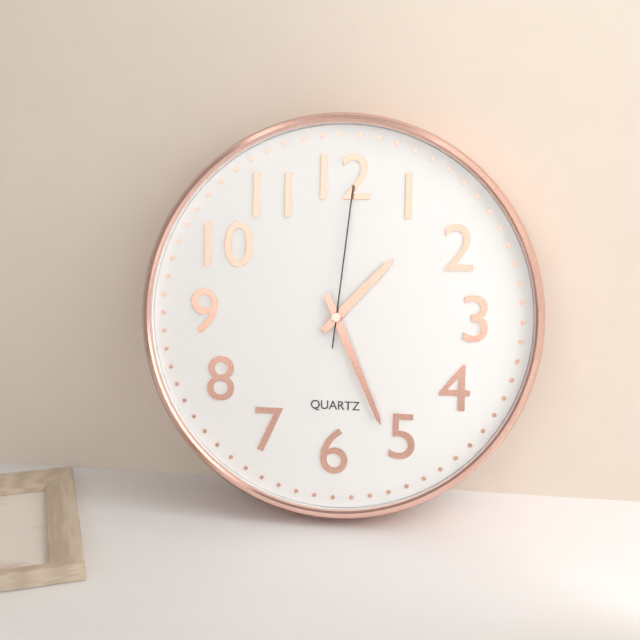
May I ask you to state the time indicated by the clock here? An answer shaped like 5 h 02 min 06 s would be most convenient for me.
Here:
1 h 26 min 01 s
